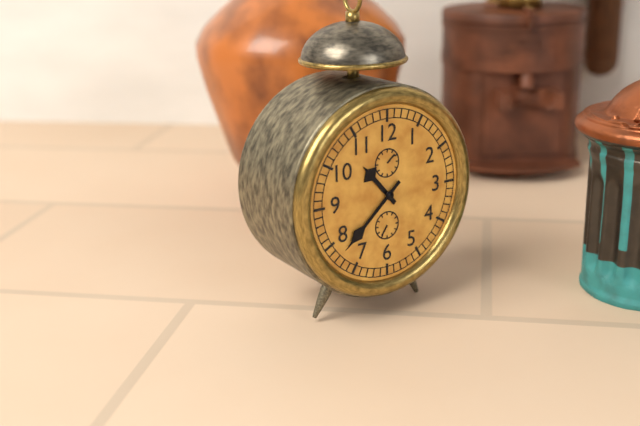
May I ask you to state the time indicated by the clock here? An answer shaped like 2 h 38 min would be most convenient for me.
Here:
10 h 38 min
